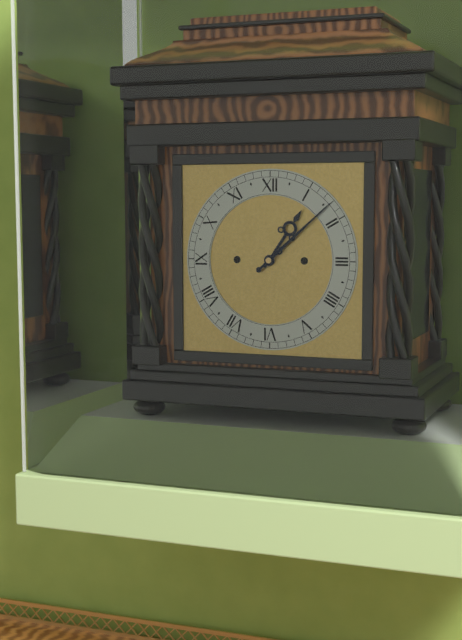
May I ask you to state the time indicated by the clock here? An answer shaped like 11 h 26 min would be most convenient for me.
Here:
1 h 08 min
